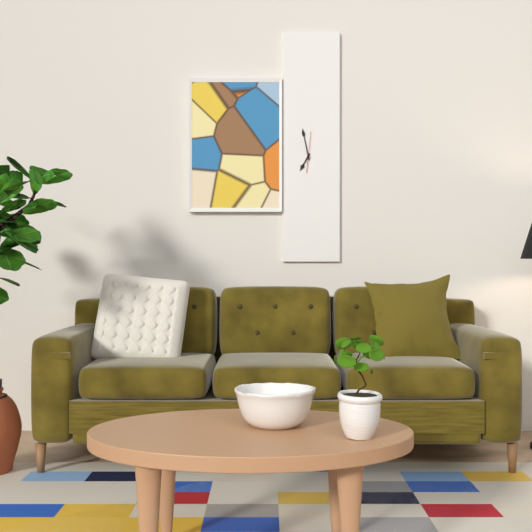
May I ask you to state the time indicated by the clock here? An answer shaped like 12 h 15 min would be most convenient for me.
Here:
6 h 58 min
